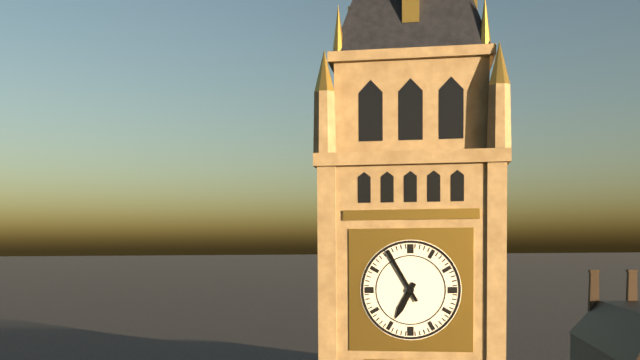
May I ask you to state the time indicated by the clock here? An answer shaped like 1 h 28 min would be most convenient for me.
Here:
6 h 55 min
